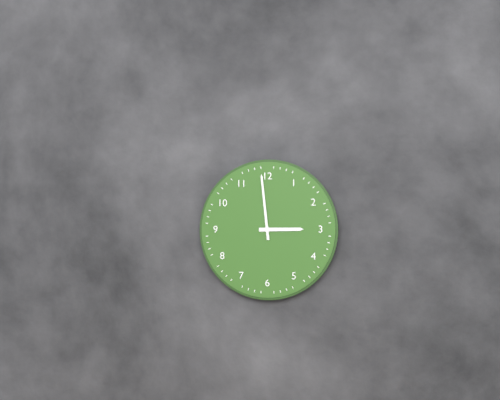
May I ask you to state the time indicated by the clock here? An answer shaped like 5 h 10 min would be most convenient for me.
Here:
2 h 59 min
